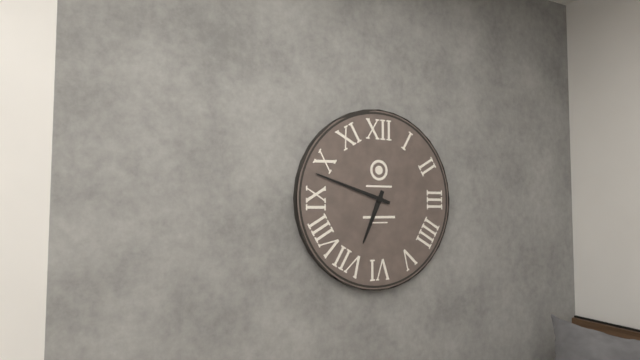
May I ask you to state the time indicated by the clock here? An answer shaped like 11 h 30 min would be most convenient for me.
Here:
6 h 48 min
